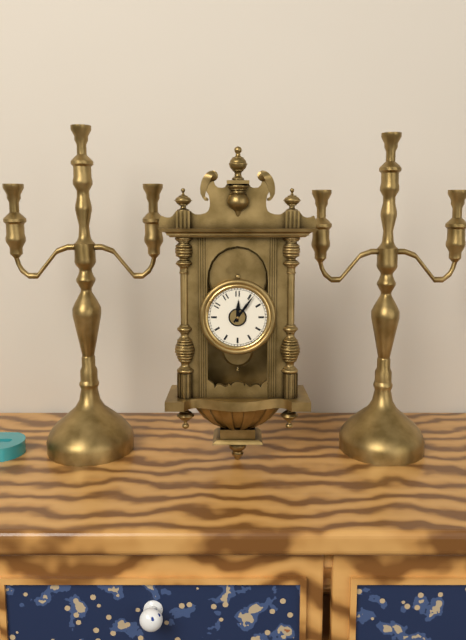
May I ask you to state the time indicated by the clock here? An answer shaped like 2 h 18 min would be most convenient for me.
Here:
12 h 06 min
